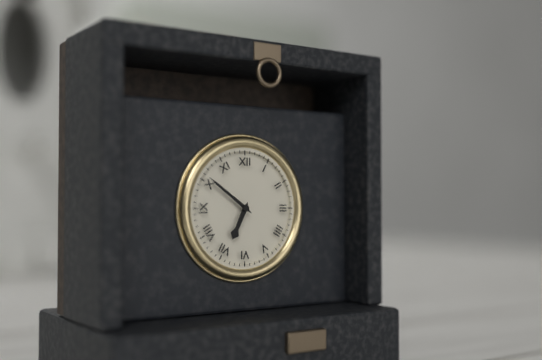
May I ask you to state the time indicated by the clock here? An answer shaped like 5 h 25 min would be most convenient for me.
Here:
6 h 51 min
